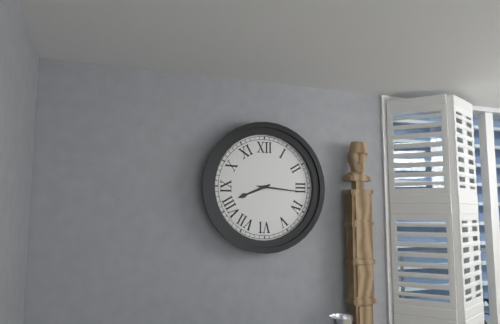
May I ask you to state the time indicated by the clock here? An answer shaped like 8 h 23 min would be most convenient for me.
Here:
8 h 16 min
